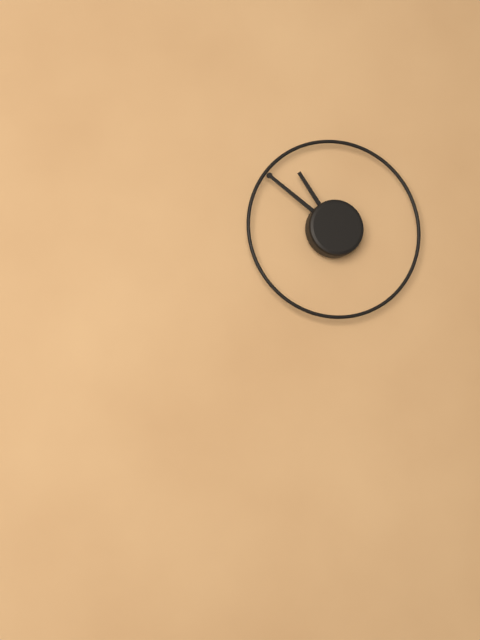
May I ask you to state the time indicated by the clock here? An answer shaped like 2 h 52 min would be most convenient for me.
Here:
10 h 51 min
